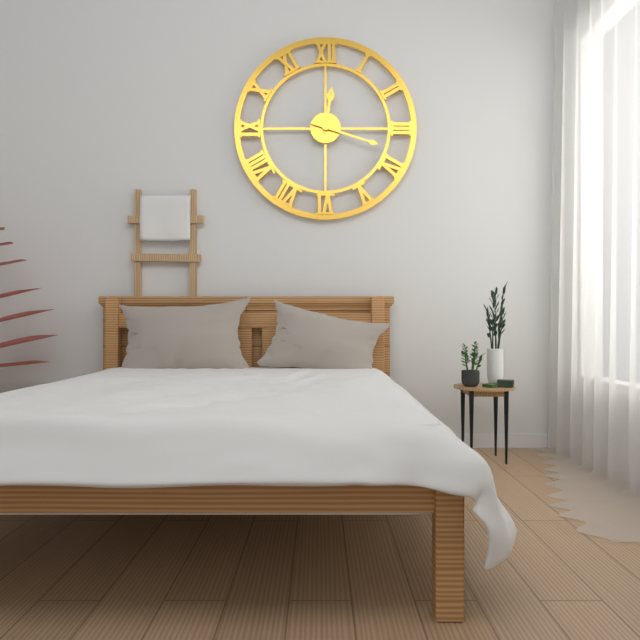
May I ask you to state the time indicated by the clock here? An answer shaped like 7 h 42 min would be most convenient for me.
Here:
12 h 18 min
